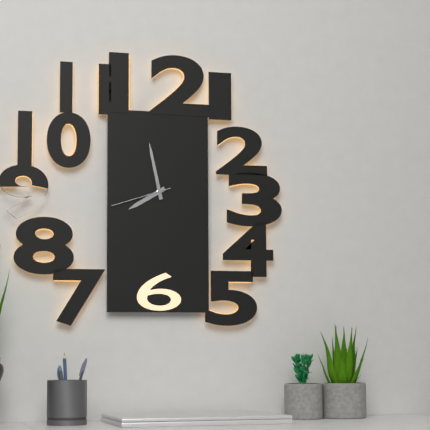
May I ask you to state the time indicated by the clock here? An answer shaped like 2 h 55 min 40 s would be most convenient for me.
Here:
7 h 58 min 42 s
